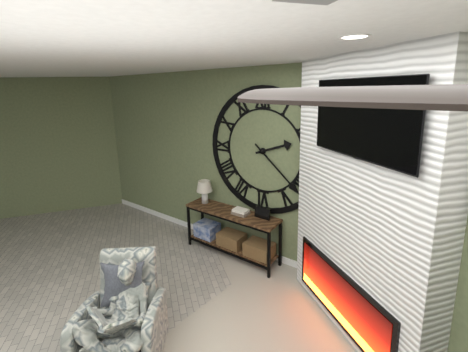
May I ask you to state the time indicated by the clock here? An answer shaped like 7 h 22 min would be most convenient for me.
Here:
2 h 22 min
